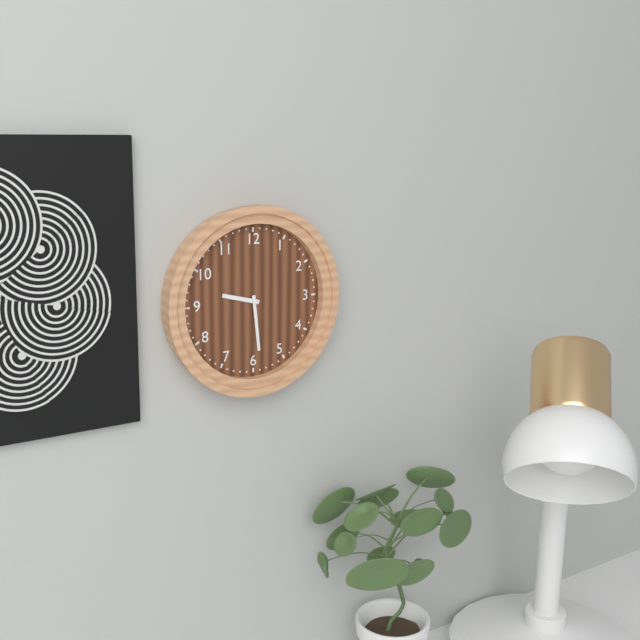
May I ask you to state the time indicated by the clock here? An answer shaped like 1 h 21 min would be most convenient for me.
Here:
9 h 29 min
